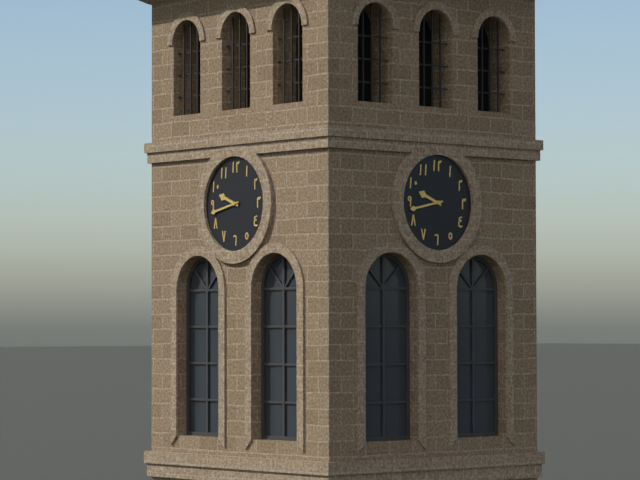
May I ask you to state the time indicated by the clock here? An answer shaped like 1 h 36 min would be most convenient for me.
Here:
9 h 43 min
